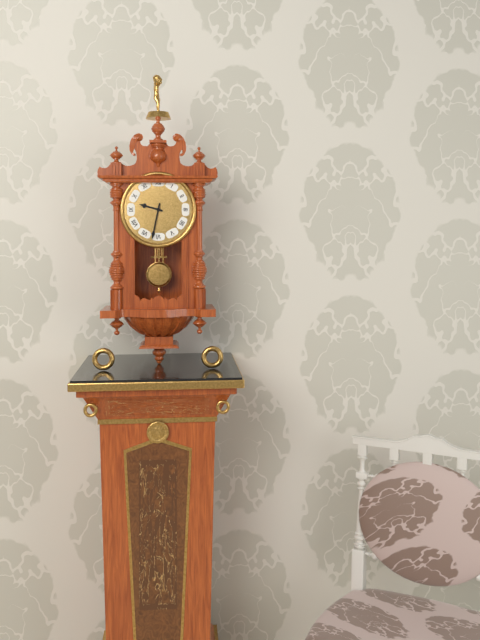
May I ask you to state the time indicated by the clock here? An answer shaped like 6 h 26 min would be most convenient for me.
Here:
9 h 32 min
